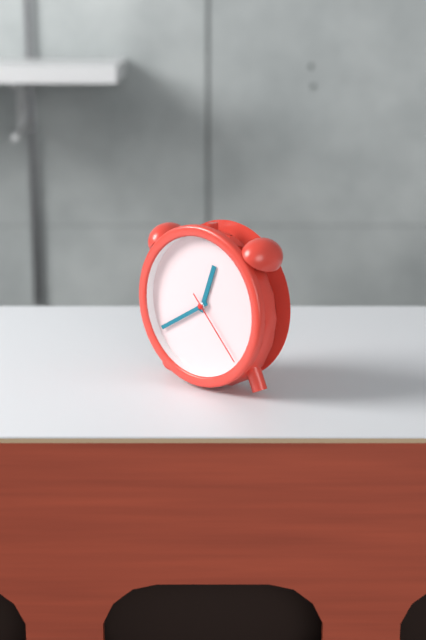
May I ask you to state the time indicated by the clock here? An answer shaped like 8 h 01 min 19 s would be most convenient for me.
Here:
12 h 40 min 23 s
